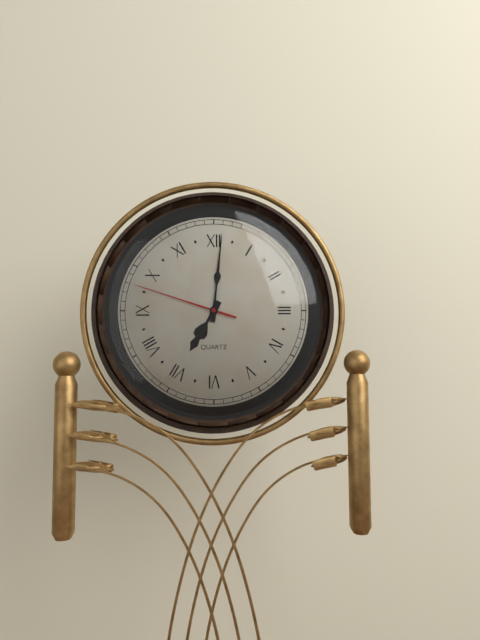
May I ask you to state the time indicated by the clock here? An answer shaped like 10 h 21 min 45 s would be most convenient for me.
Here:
7 h 01 min 48 s
